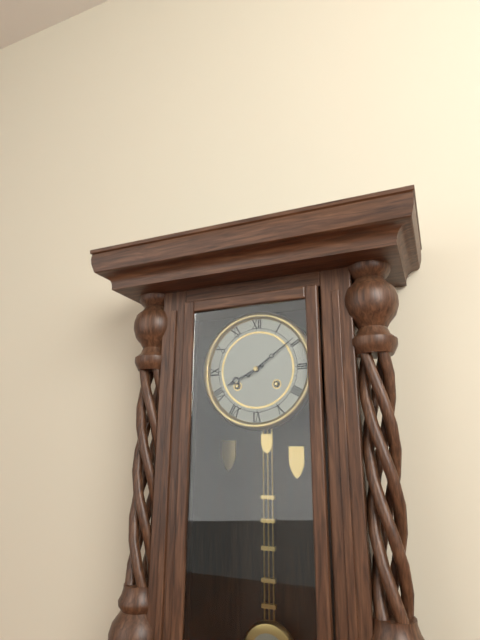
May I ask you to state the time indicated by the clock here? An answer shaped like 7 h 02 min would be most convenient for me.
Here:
8 h 09 min
